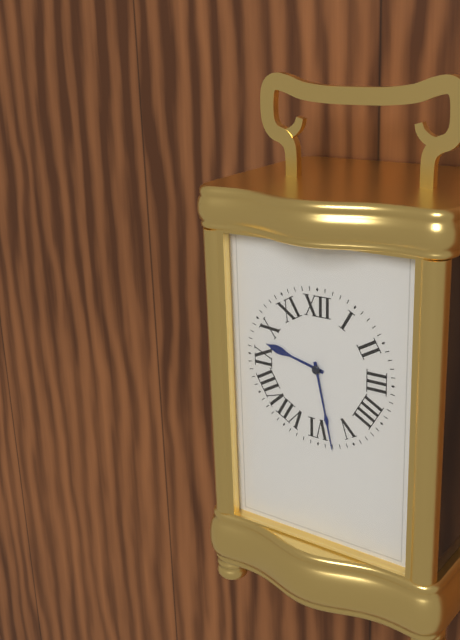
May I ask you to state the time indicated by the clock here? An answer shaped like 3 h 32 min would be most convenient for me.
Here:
9 h 28 min
